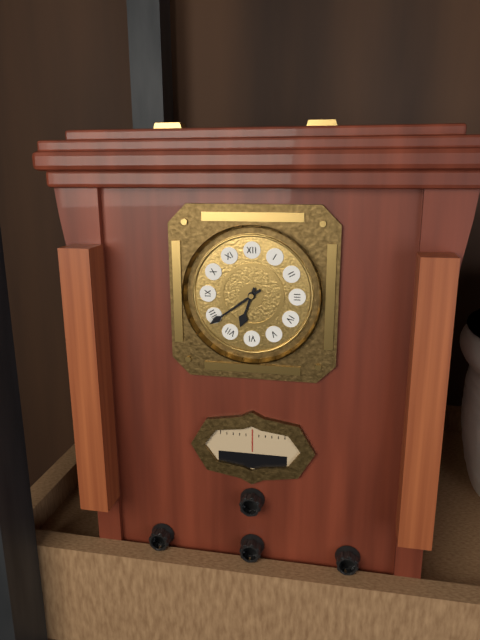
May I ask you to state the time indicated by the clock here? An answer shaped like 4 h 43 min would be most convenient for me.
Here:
6 h 39 min
